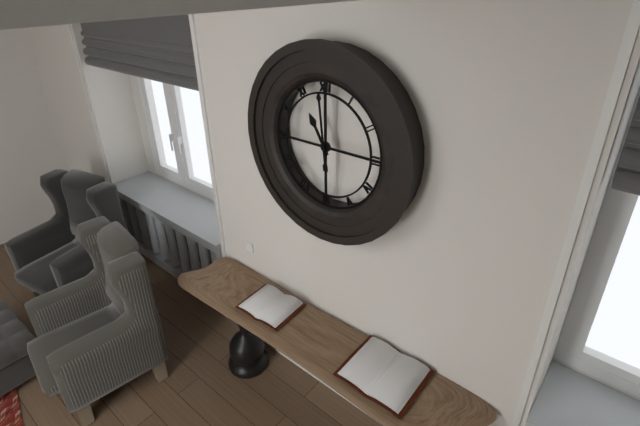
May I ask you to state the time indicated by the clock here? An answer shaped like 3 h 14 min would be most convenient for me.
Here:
10 h 59 min
